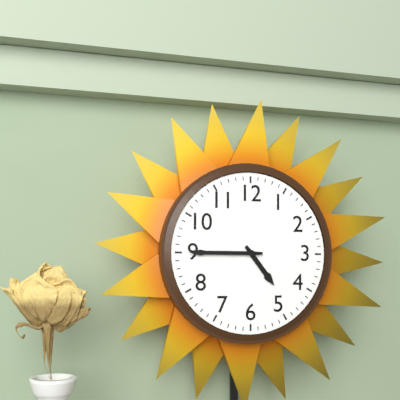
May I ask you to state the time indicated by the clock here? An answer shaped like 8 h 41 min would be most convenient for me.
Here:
4 h 45 min
